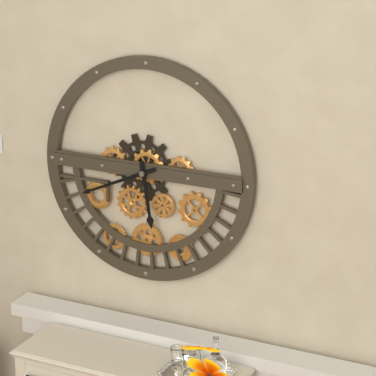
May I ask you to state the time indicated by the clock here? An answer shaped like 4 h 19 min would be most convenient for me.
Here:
5 h 41 min
